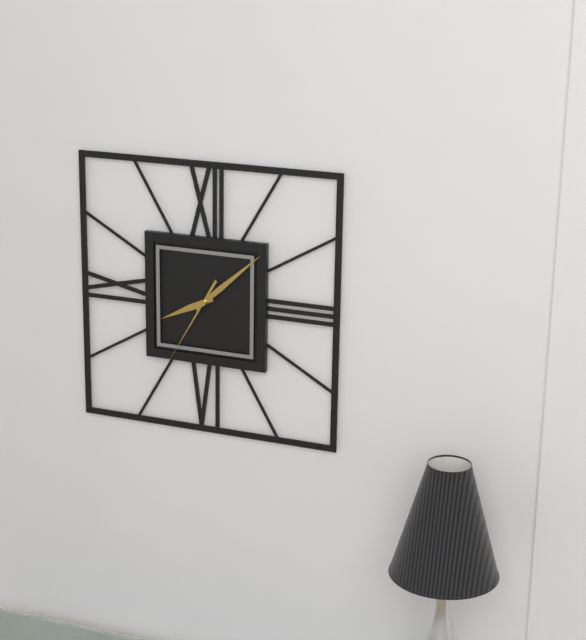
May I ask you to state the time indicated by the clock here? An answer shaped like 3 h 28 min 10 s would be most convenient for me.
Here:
8 h 08 min 35 s
